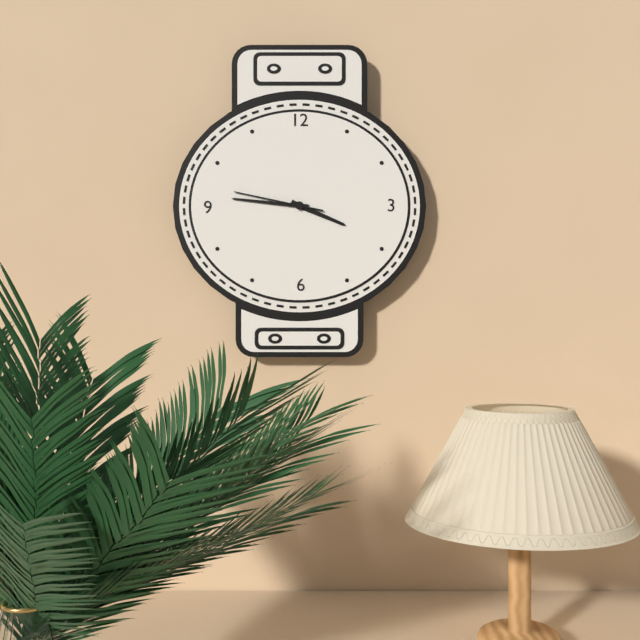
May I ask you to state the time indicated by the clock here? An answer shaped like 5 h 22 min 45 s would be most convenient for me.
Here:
3 h 46 min 47 s
